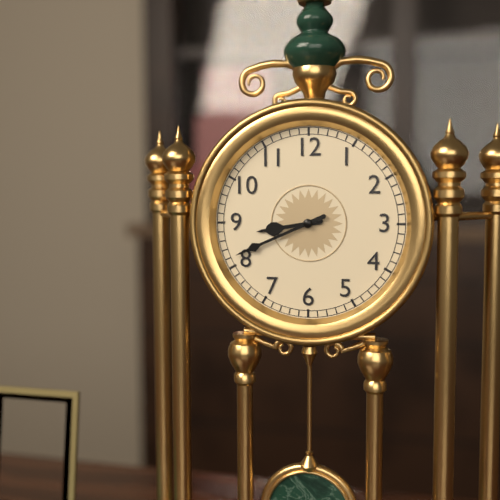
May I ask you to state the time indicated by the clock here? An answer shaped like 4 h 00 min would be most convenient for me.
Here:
8 h 41 min
